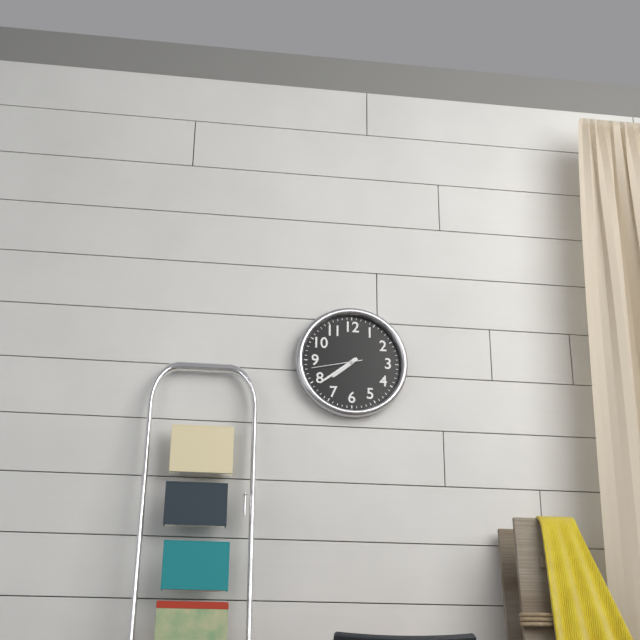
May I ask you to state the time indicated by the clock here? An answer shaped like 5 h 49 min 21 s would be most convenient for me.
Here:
7 h 39 min 43 s
